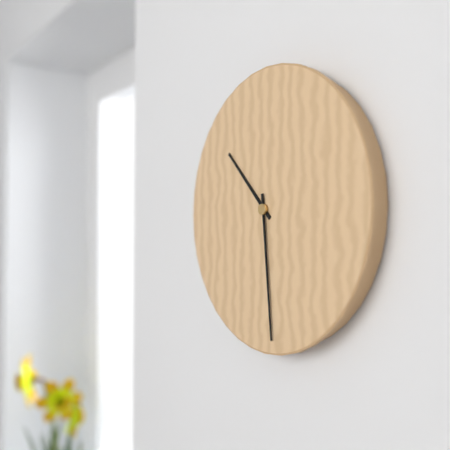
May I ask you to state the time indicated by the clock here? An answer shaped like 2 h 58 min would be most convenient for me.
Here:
10 h 29 min
